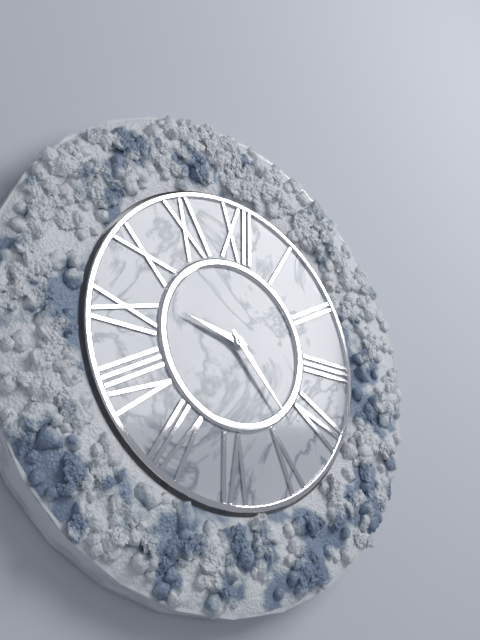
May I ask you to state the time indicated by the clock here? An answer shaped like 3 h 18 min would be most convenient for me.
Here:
9 h 23 min
